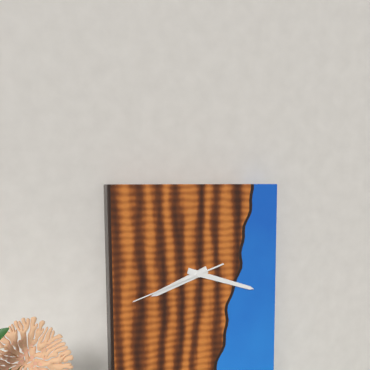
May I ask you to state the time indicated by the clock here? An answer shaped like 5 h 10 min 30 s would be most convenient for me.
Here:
8 h 18 min 42 s
